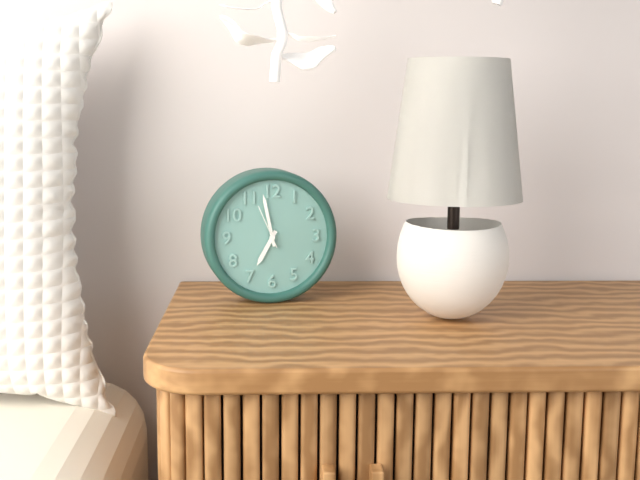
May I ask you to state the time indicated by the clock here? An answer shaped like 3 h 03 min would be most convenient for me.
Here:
6 h 58 min
